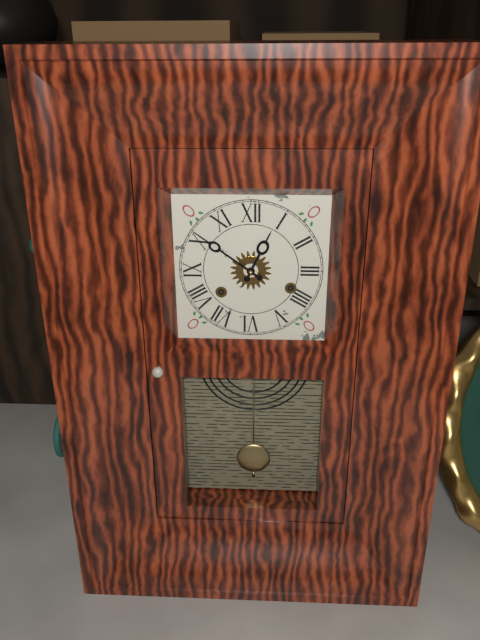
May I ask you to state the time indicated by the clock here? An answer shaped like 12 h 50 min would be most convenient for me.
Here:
12 h 51 min
